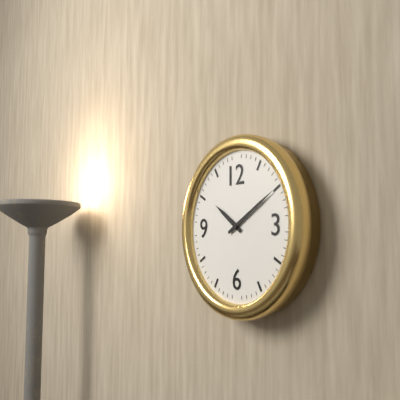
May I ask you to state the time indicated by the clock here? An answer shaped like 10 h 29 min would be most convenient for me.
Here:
10 h 10 min
